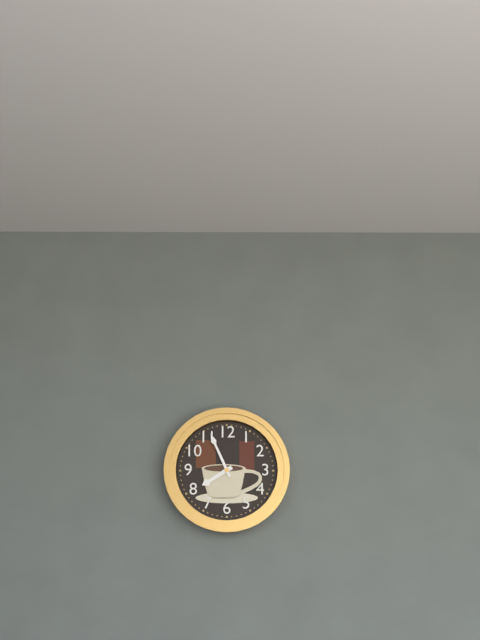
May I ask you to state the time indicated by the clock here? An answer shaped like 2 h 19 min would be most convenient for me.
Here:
7 h 56 min
